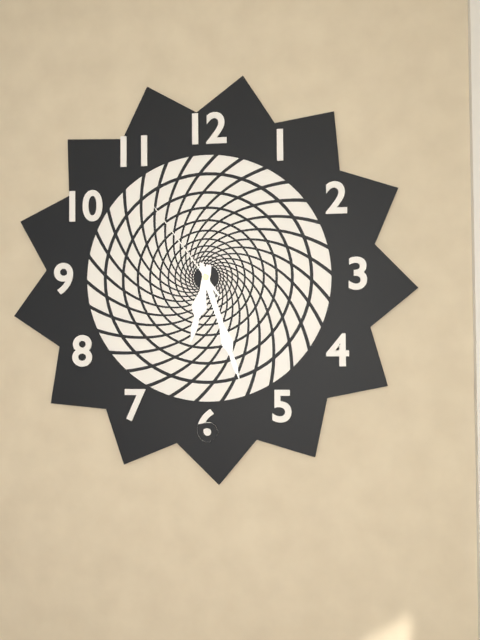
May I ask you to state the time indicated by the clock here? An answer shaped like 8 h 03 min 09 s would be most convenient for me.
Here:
6 h 27 min 54 s
